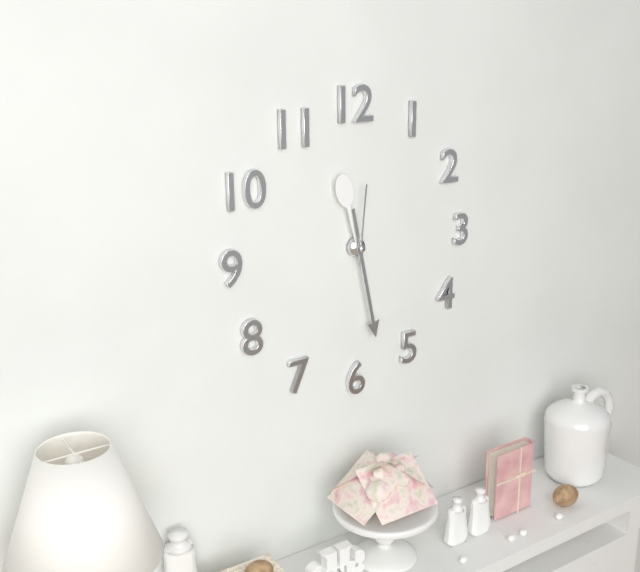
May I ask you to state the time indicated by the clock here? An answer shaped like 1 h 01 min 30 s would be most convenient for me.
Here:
11 h 28 min 01 s
